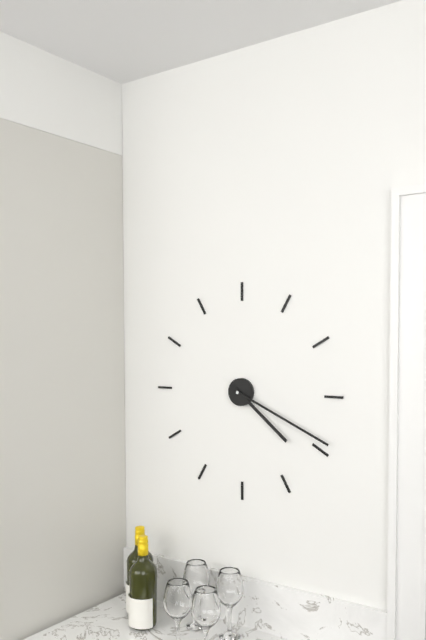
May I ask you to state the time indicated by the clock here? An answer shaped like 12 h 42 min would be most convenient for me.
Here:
4 h 19 min
